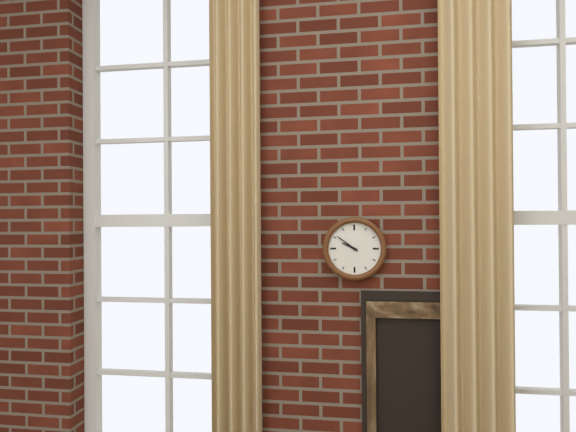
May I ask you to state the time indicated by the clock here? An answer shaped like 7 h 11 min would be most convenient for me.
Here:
9 h 51 min
